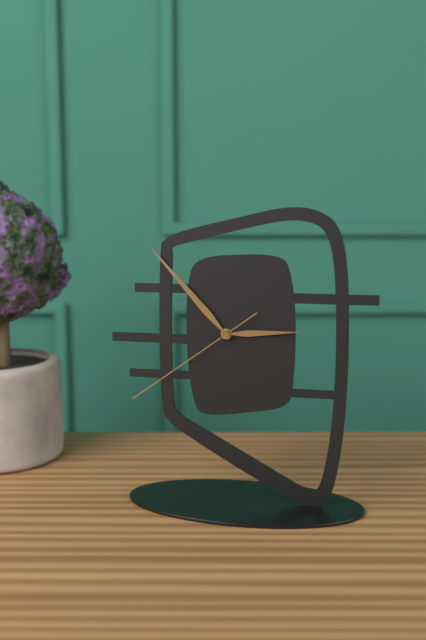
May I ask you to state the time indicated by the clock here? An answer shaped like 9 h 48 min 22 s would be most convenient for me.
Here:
2 h 53 min 39 s
